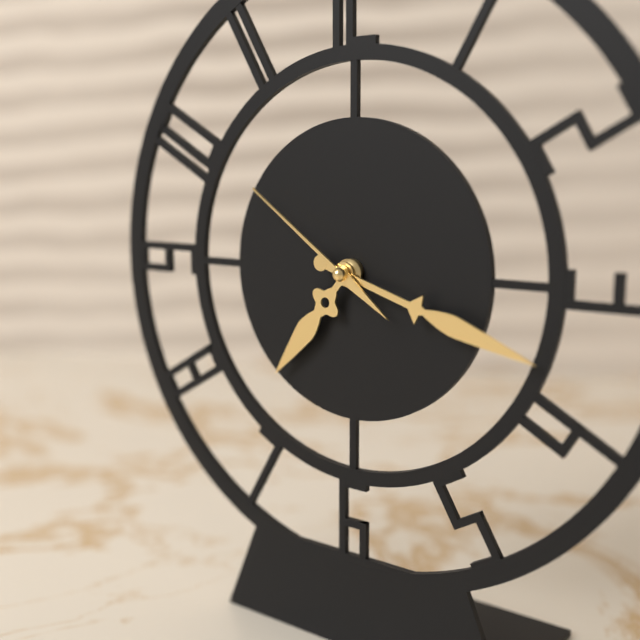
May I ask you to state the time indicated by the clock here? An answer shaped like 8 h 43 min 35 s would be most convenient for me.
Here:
7 h 18 min 51 s
